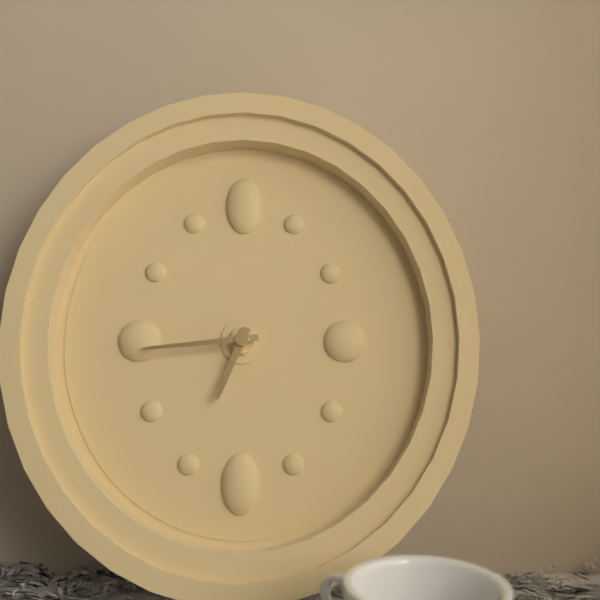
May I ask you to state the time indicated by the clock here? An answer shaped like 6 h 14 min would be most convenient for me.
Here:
6 h 44 min
